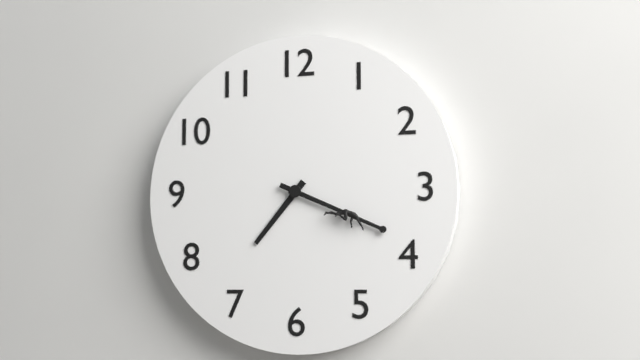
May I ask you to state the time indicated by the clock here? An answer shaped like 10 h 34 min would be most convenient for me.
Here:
7 h 19 min
